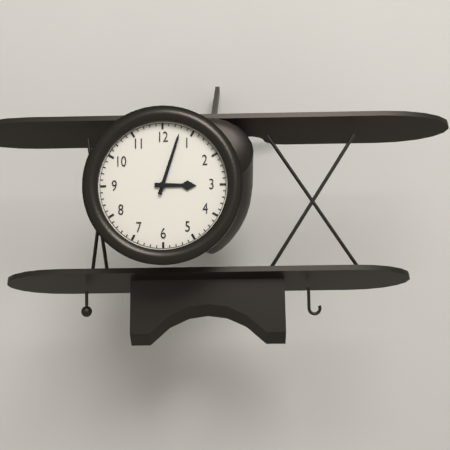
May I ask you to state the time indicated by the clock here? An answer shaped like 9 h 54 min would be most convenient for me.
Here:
3 h 03 min
